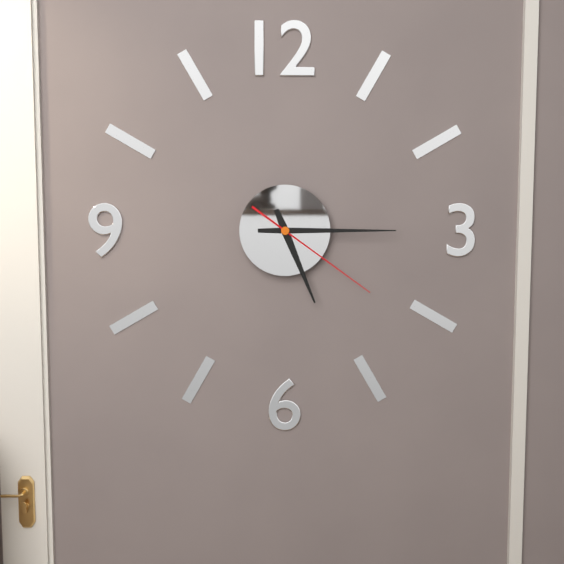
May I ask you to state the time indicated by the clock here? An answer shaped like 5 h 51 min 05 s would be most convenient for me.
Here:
5 h 15 min 21 s
